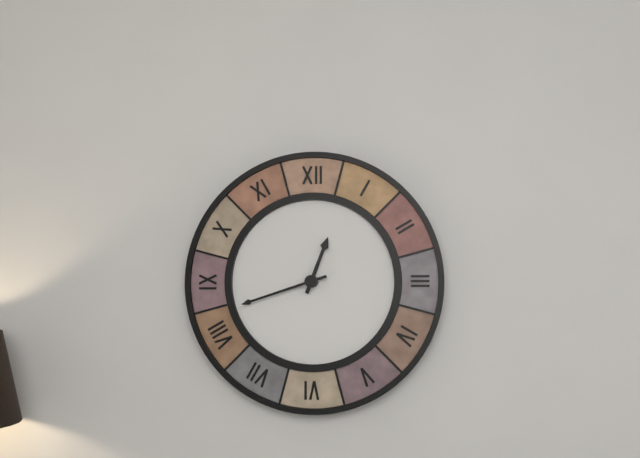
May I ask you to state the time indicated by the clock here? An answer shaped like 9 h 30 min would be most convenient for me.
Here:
12 h 42 min
